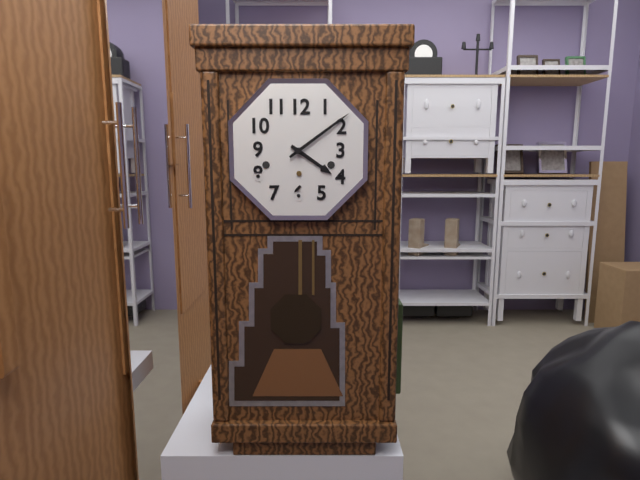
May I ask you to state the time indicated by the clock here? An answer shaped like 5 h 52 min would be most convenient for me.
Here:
4 h 09 min
